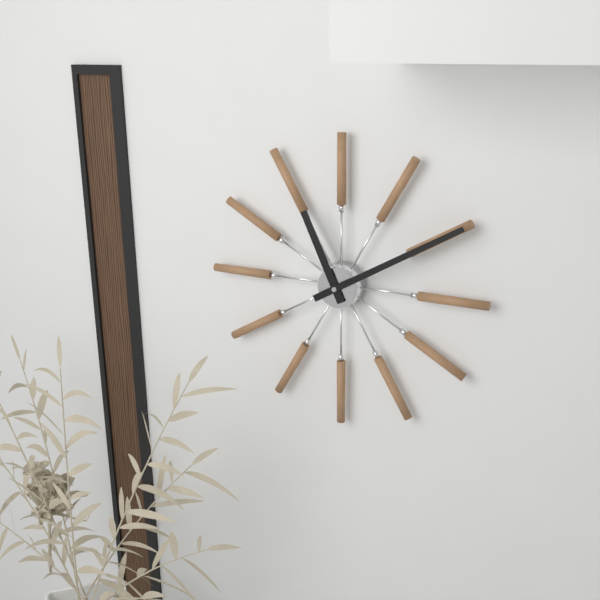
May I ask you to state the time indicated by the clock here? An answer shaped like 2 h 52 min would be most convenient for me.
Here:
11 h 10 min
